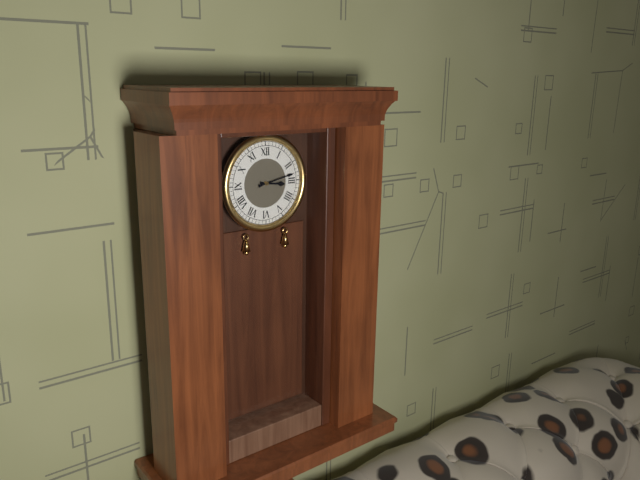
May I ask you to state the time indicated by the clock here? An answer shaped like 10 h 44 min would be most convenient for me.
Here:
3 h 13 min
